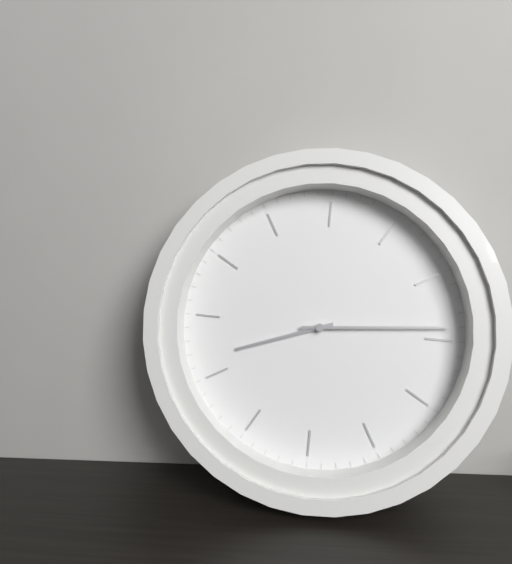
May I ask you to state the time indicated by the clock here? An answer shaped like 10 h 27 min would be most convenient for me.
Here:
9 h 19 min
